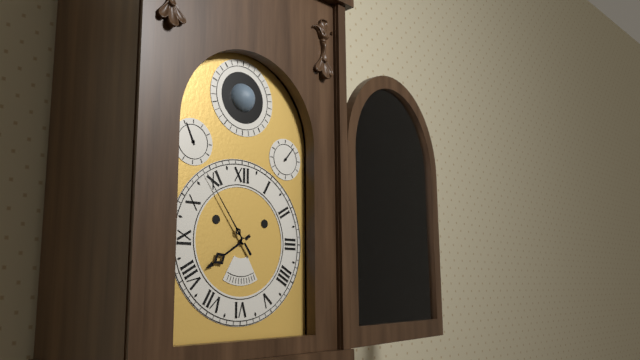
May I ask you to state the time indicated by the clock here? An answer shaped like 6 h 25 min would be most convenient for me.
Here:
7 h 54 min
